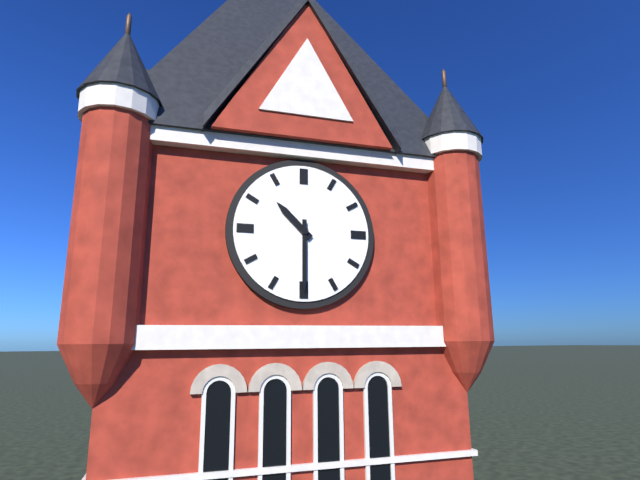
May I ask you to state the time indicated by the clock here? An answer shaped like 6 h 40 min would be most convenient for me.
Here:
10 h 30 min
